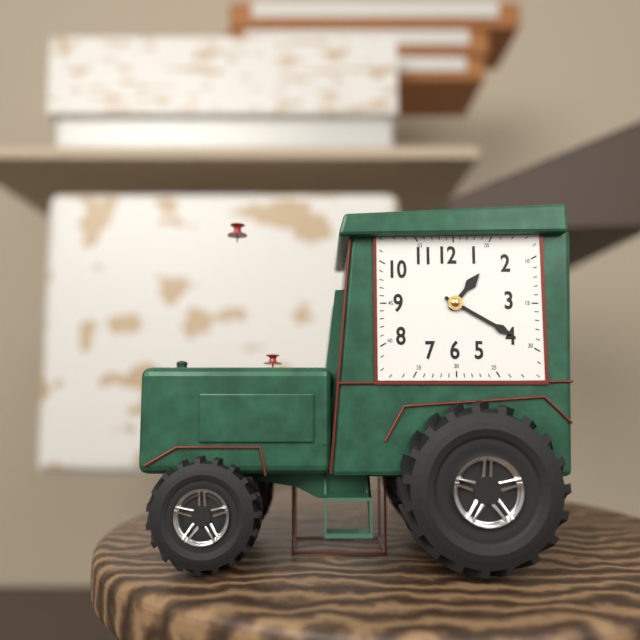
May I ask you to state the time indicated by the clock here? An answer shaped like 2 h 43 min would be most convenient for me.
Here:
1 h 20 min
